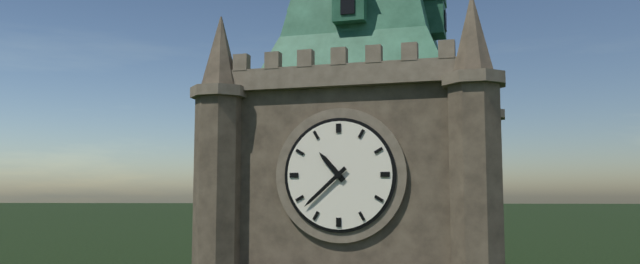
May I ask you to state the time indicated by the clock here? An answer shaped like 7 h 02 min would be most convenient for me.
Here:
10 h 38 min
